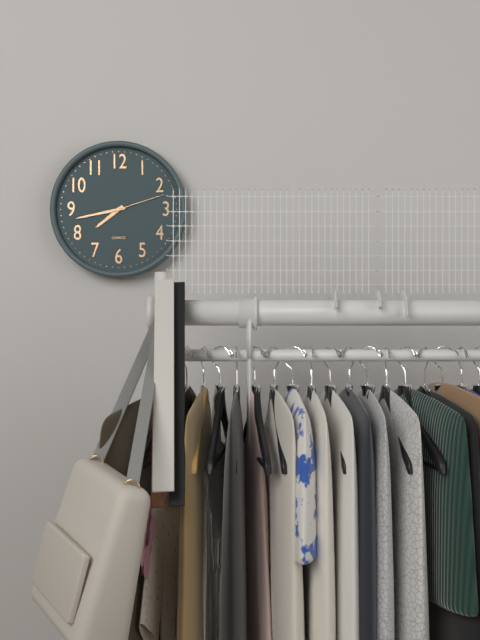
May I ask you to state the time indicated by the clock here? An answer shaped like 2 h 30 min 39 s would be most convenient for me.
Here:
7 h 43 min 12 s
